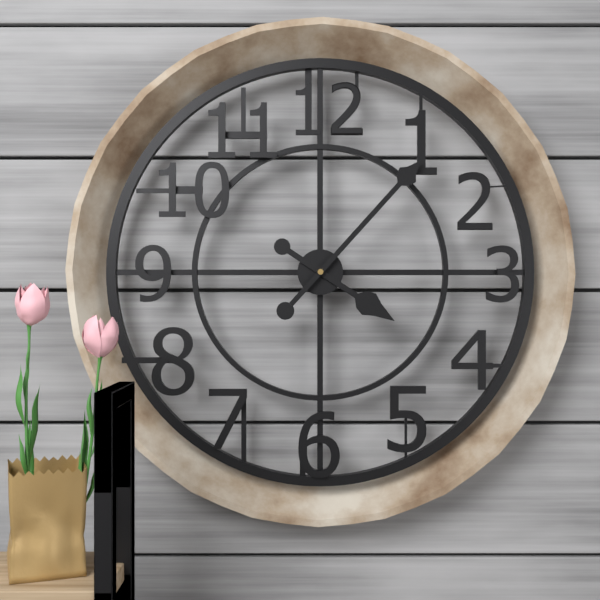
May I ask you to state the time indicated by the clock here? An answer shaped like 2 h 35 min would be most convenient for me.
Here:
4 h 07 min
